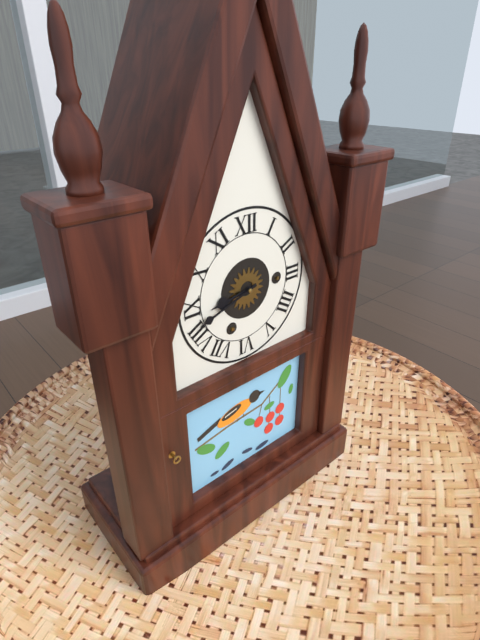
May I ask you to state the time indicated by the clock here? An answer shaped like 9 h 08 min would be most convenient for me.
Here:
8 h 42 min
